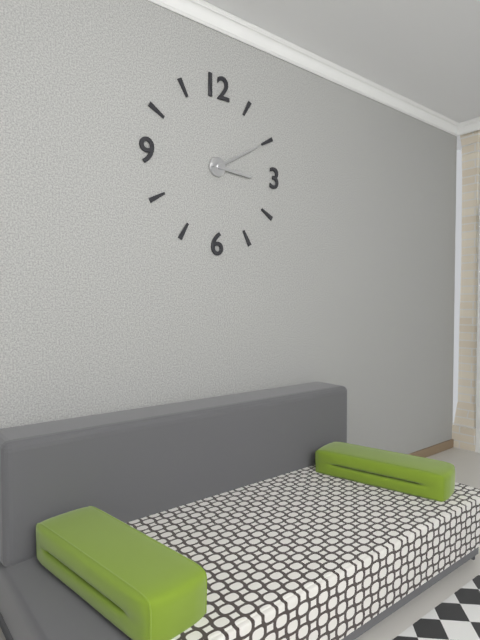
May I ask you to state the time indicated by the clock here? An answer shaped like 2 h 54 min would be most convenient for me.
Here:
3 h 10 min
